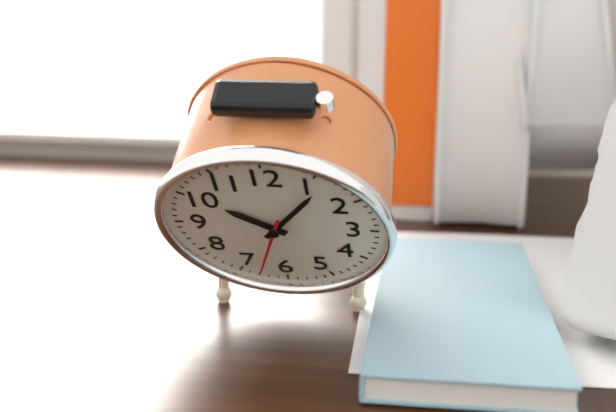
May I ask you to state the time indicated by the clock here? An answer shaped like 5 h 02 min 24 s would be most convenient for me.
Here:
10 h 06 min 33 s
